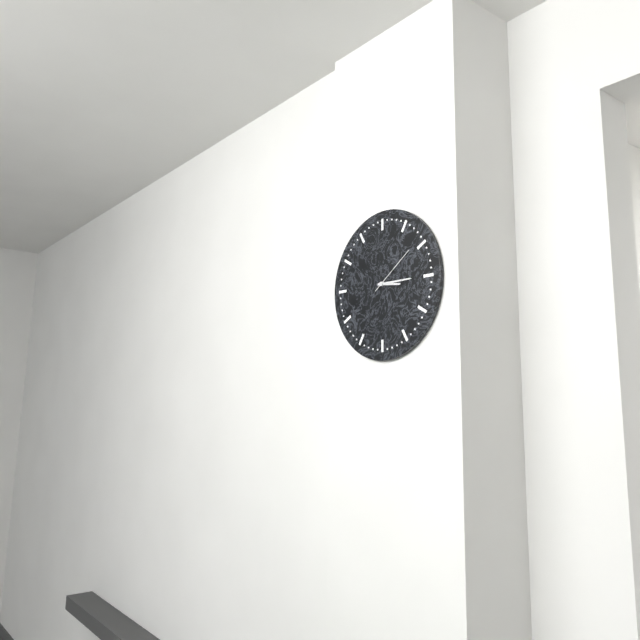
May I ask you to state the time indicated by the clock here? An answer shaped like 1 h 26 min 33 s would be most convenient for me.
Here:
3 h 15 min 09 s
